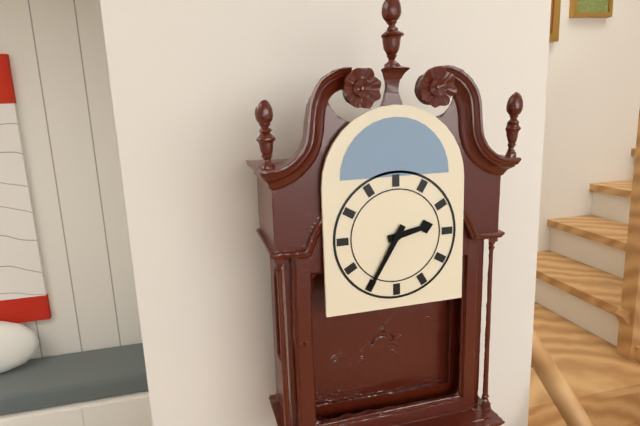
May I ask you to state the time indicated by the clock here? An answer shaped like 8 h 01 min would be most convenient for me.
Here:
2 h 35 min
